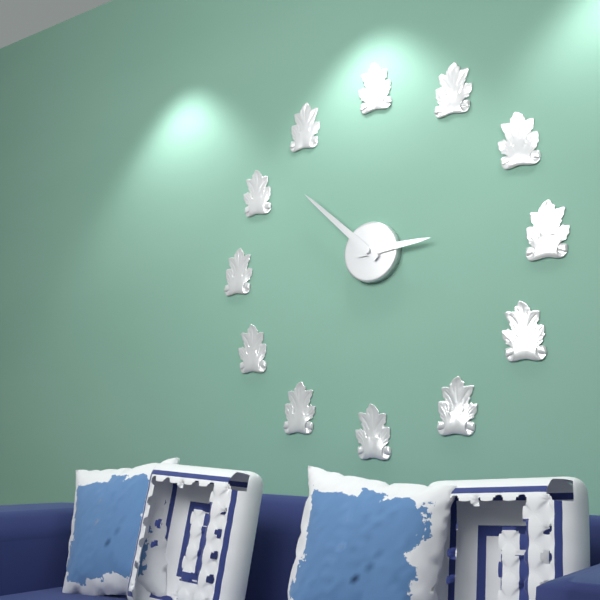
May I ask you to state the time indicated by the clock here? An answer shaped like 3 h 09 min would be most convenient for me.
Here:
2 h 52 min
